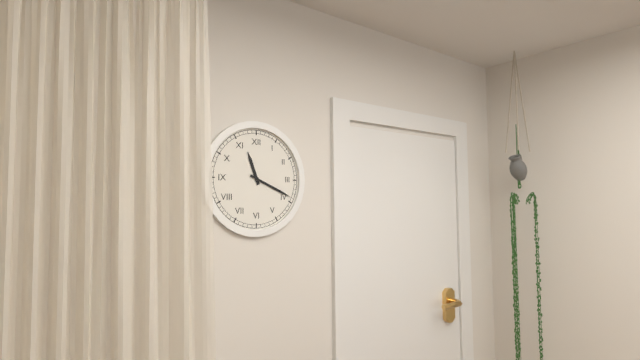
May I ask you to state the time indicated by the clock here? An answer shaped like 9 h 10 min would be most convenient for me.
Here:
11 h 19 min
